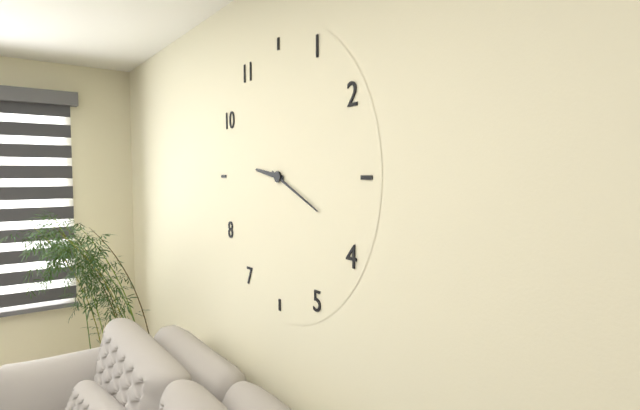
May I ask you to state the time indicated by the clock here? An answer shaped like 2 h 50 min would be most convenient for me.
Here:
9 h 19 min
